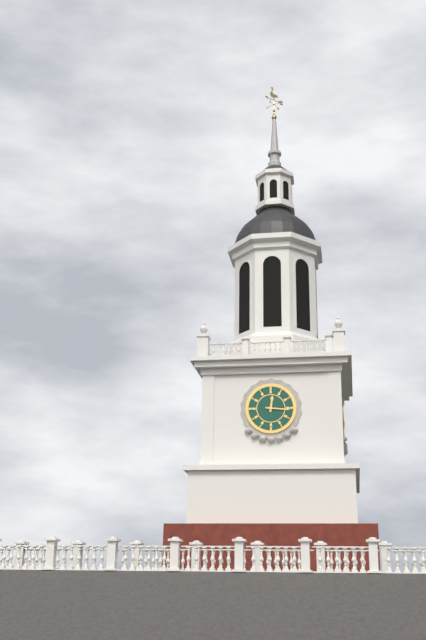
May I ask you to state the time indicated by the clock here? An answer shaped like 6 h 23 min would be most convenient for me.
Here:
12 h 16 min
